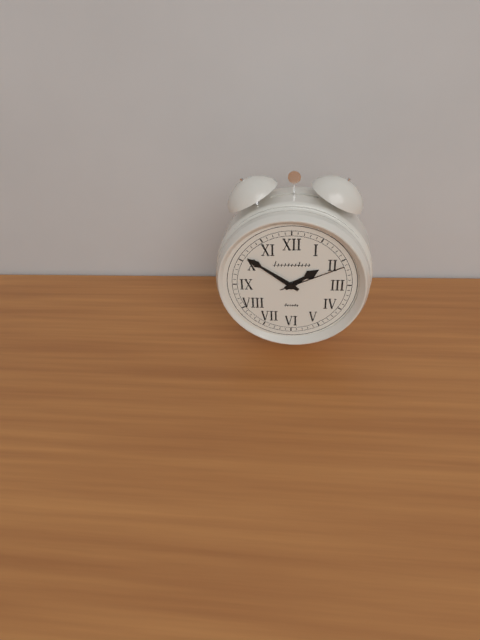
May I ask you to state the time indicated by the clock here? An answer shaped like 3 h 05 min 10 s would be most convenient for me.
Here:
1 h 51 min 11 s
